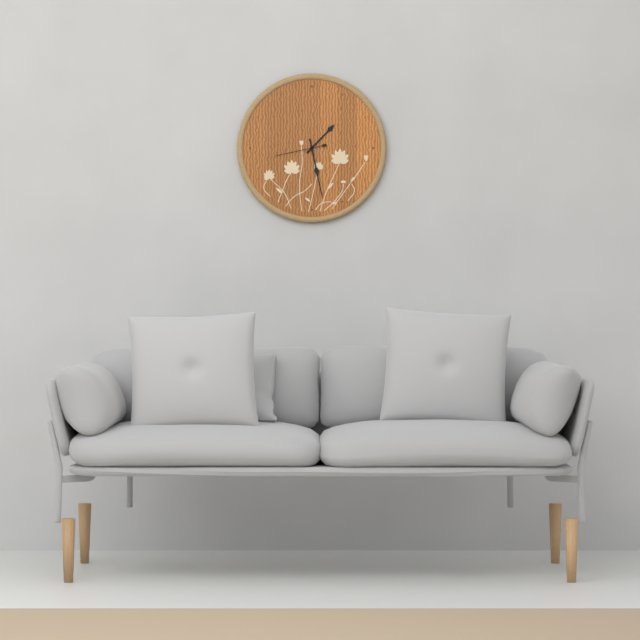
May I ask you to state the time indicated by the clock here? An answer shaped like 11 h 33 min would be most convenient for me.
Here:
1 h 28 min
